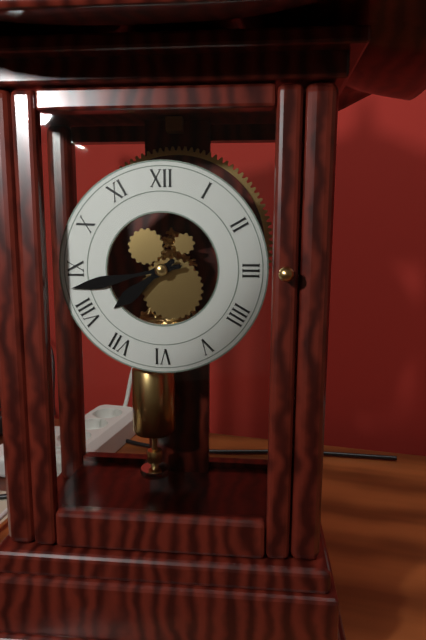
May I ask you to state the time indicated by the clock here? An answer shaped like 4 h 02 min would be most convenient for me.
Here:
7 h 43 min
